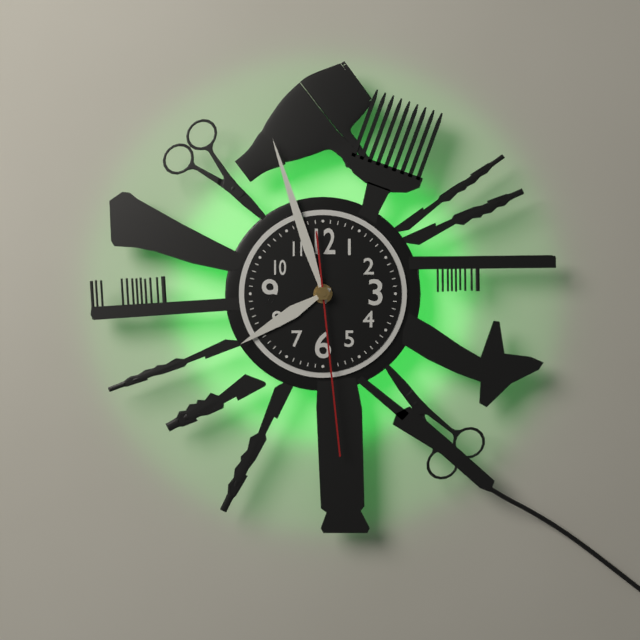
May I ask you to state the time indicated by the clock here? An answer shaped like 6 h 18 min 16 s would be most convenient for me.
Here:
7 h 57 min 29 s
